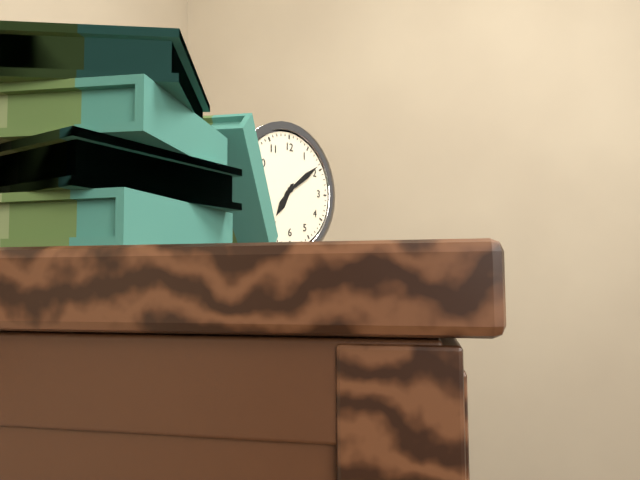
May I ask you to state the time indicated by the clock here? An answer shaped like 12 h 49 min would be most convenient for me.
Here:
7 h 09 min
